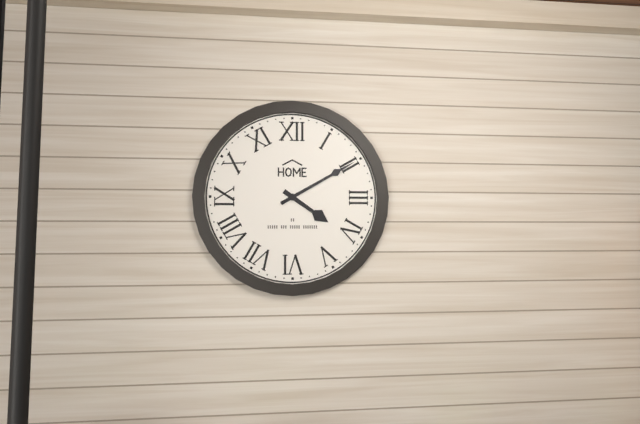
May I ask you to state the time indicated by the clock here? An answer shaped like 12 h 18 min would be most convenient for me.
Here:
4 h 10 min
